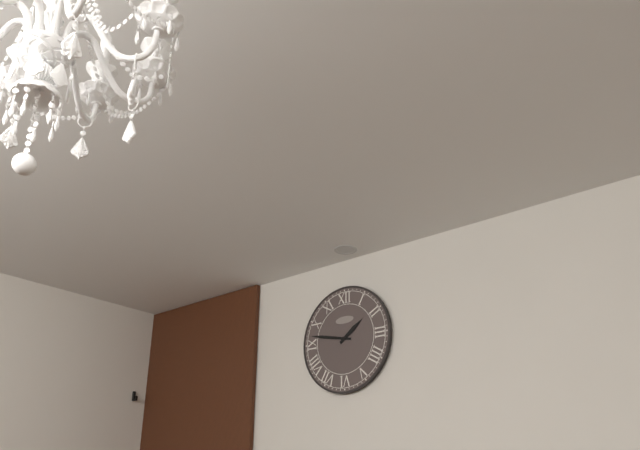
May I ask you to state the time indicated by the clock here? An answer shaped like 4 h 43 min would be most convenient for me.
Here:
1 h 47 min
